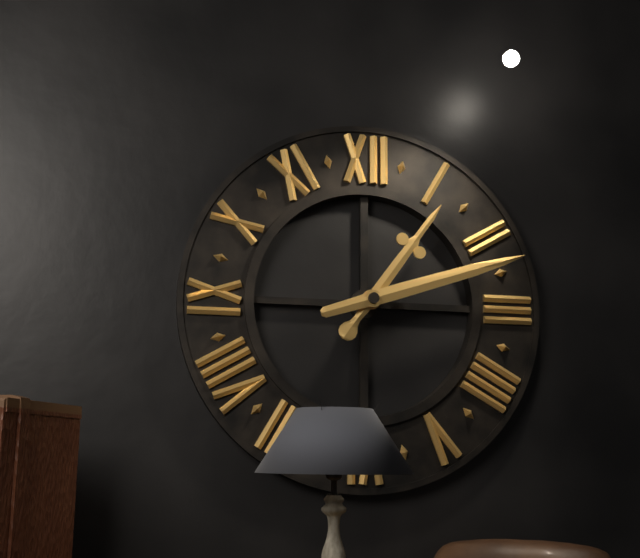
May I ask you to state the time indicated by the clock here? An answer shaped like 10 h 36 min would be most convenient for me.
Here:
1 h 12 min
